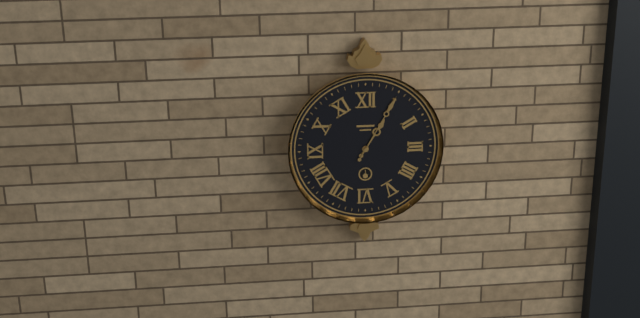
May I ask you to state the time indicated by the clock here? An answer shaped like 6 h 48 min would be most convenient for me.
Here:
1 h 05 min
